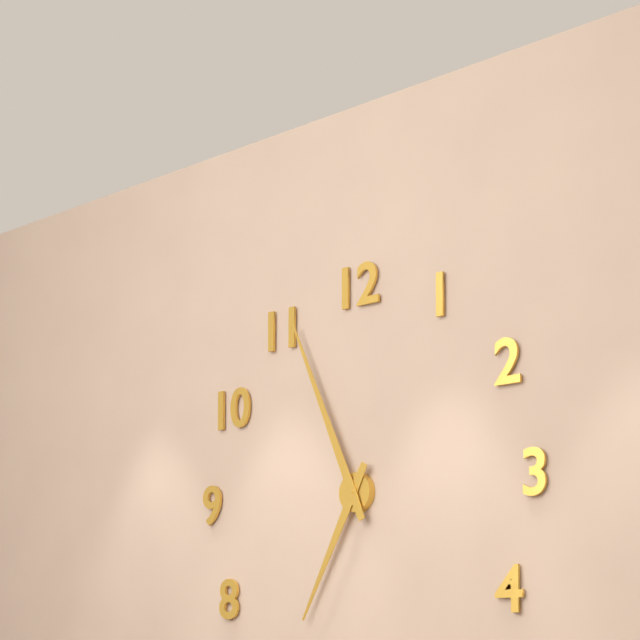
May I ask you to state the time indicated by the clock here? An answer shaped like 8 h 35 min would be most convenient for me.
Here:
6 h 56 min
